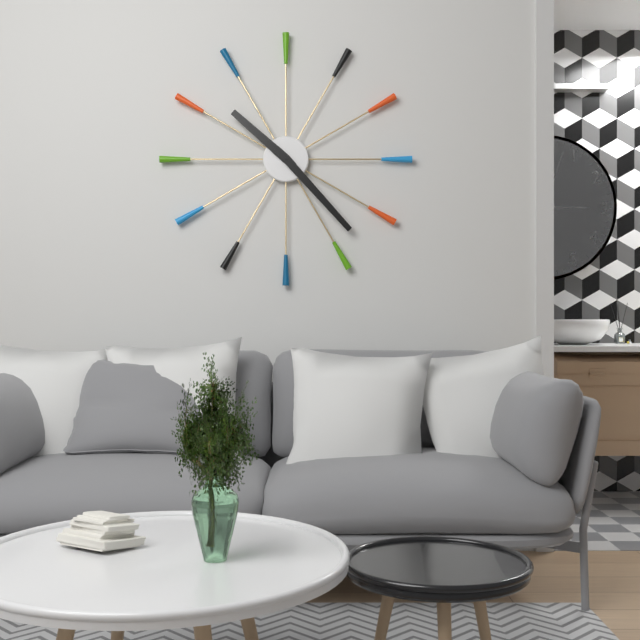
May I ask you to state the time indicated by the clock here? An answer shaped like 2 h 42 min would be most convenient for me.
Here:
10 h 23 min
